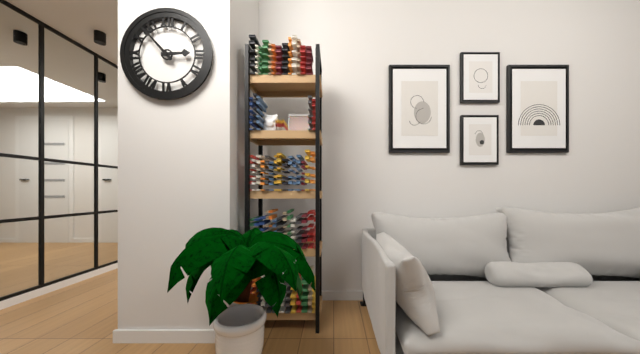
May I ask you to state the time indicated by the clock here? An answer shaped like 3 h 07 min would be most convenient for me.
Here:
2 h 53 min
